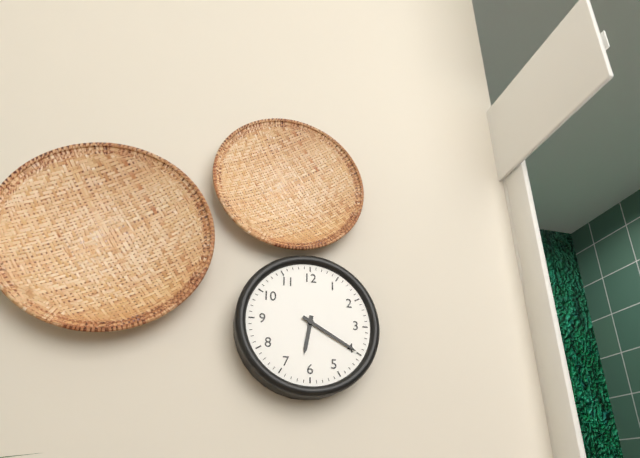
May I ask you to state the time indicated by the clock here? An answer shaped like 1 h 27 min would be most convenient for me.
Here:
6 h 20 min
